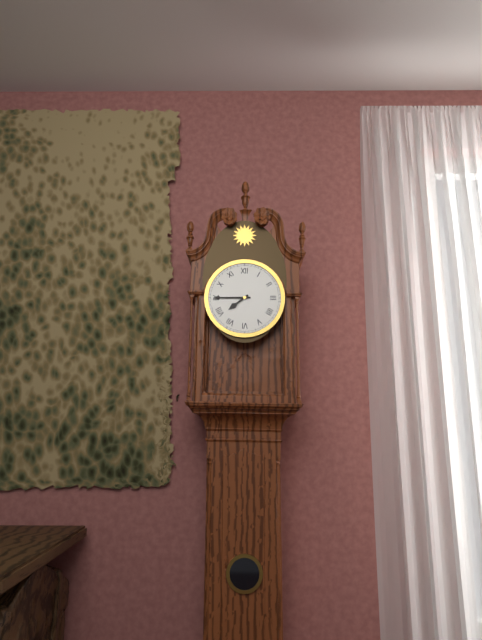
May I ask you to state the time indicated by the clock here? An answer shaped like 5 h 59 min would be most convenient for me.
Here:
7 h 45 min
